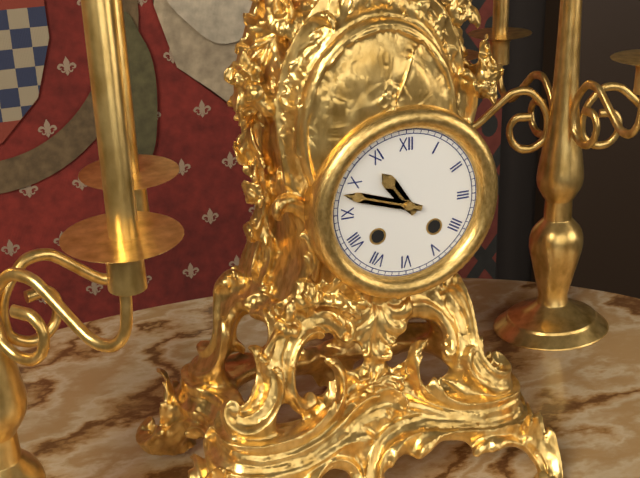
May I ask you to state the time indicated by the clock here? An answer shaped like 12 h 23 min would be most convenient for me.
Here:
10 h 48 min
